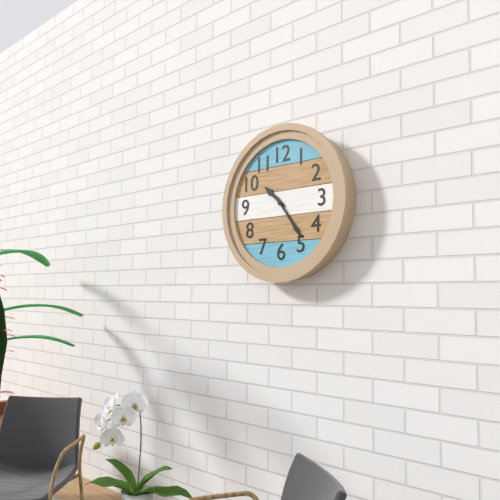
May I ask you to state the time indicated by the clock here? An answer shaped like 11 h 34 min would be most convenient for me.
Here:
10 h 24 min
